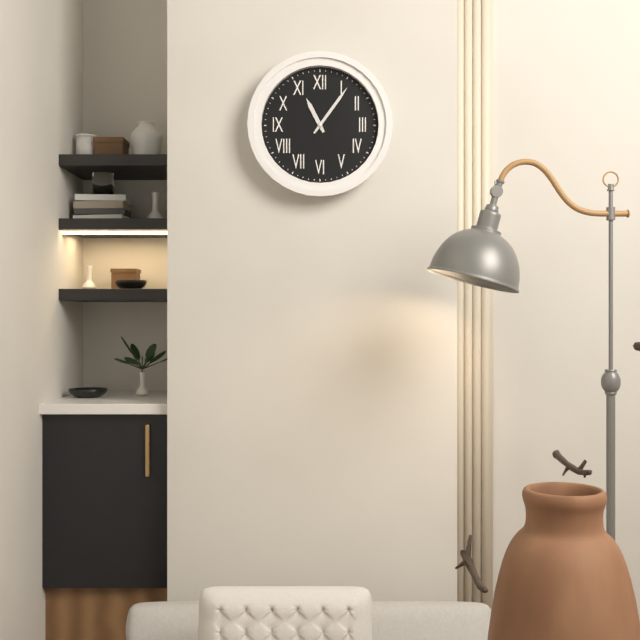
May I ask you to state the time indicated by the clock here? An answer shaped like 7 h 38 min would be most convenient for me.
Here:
11 h 06 min
